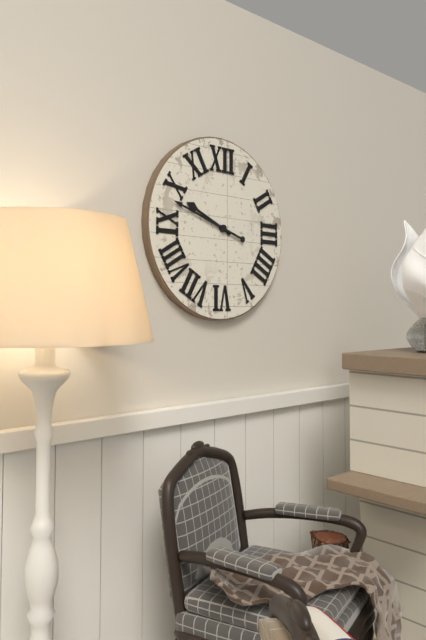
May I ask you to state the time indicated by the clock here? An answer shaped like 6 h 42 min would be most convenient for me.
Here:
9 h 48 min
